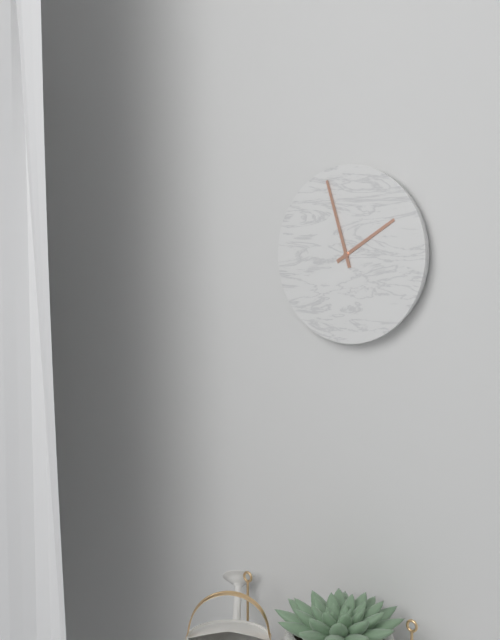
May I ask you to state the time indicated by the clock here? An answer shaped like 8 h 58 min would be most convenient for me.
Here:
1 h 57 min
